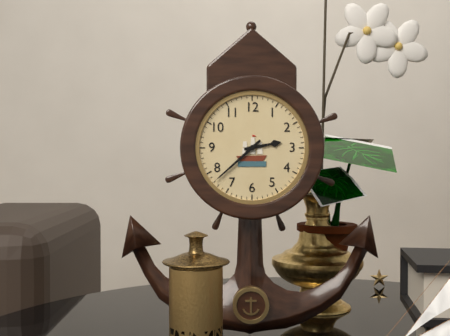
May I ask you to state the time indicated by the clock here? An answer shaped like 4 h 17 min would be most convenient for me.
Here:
2 h 38 min
